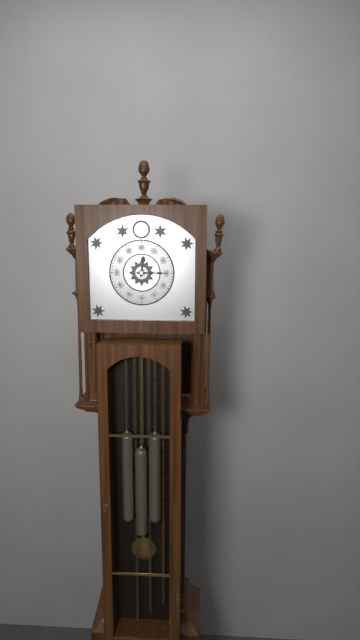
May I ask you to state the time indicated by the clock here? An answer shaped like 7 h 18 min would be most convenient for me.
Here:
12 h 15 min
